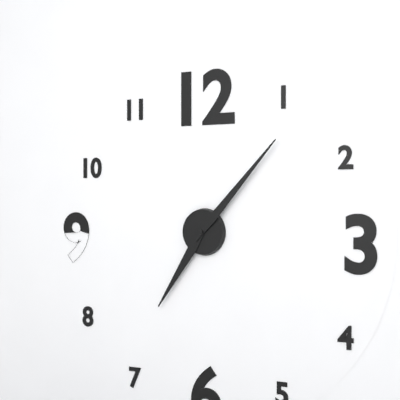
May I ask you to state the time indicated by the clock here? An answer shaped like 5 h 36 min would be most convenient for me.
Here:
7 h 07 min
